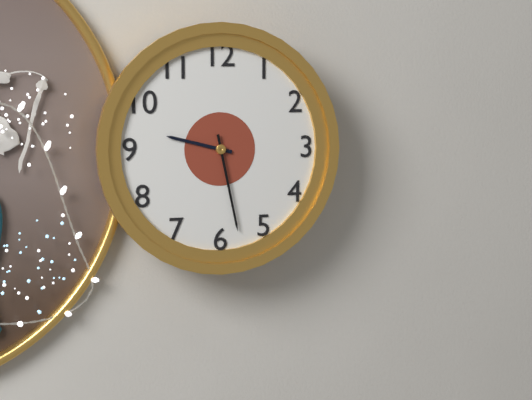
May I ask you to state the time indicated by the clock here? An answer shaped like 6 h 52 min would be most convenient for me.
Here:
9 h 28 min
